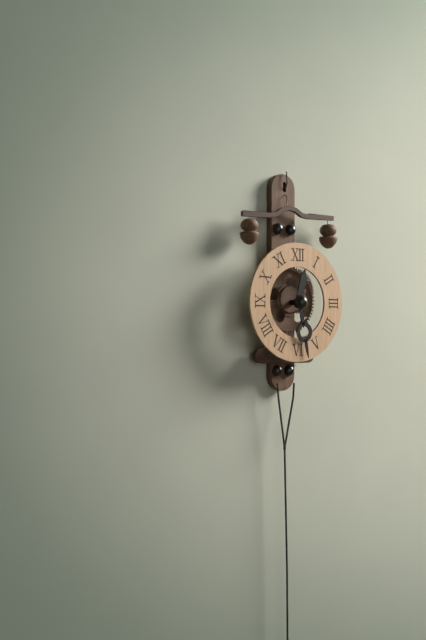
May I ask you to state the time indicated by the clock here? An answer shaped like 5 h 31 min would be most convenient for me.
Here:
12 h 28 min
